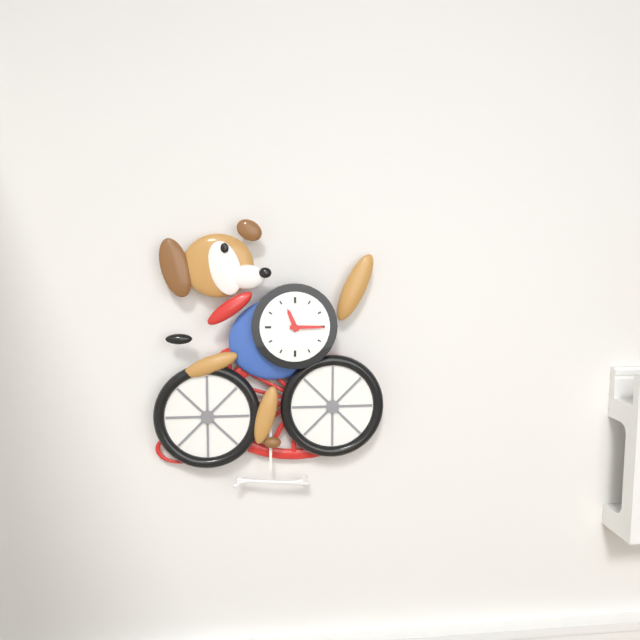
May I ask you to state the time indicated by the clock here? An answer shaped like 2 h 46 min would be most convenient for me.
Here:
11 h 15 min
